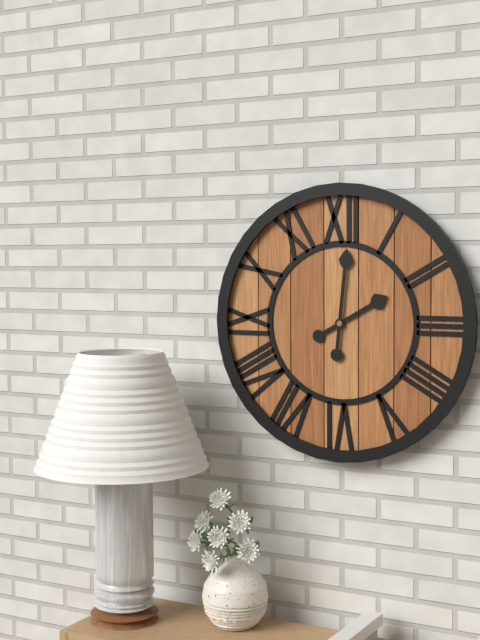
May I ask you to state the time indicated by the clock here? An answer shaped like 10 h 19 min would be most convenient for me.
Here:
2 h 01 min
